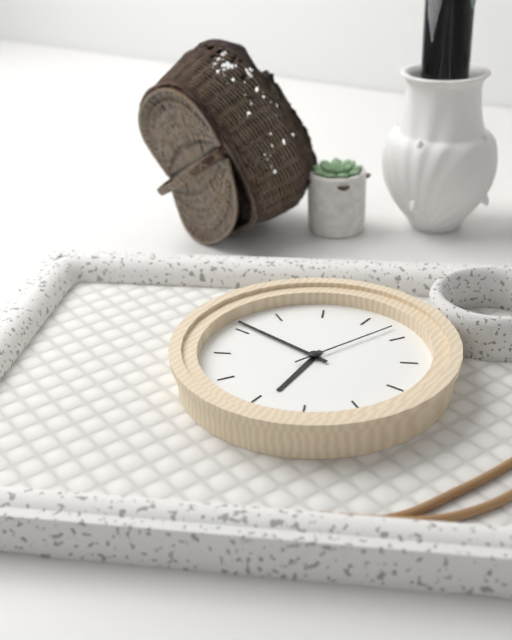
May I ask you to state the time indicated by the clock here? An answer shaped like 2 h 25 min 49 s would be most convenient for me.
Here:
5 h 46 min 03 s
